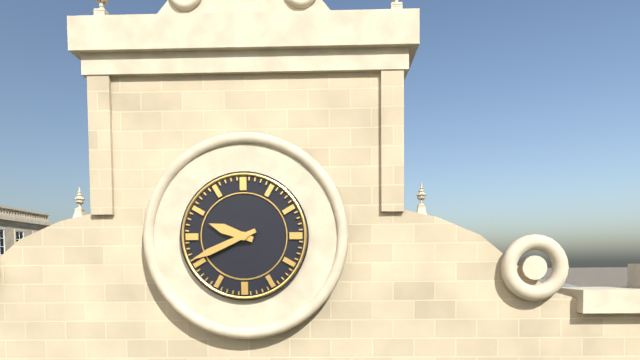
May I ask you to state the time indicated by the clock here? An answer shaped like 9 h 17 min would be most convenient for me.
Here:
9 h 41 min
